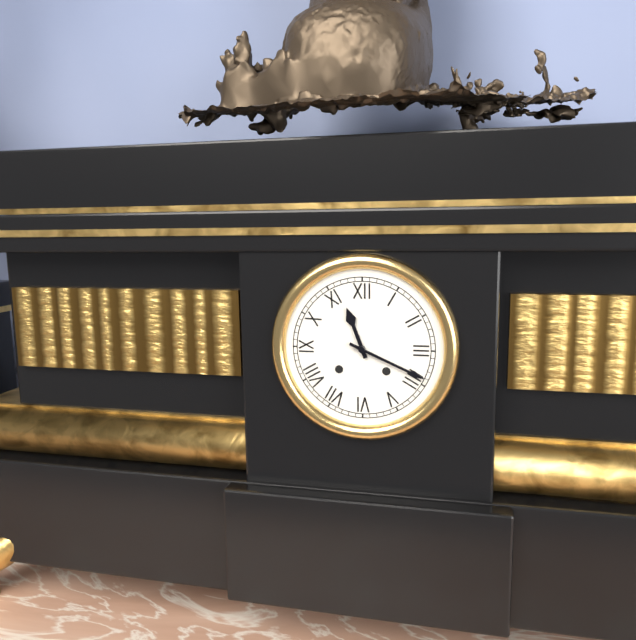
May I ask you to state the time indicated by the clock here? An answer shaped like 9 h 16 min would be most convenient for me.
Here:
11 h 19 min
